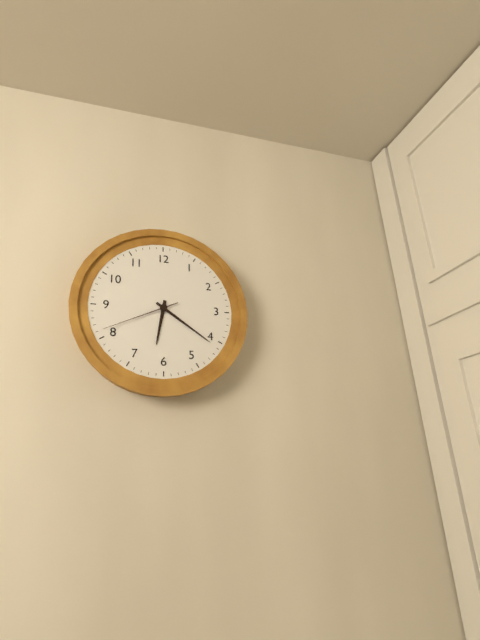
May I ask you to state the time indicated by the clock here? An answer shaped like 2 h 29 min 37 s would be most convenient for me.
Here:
6 h 21 min 41 s
